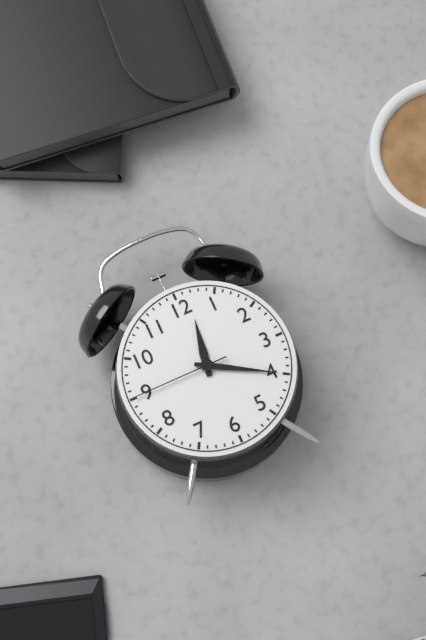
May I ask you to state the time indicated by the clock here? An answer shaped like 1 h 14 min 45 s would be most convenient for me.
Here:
12 h 20 min 45 s
